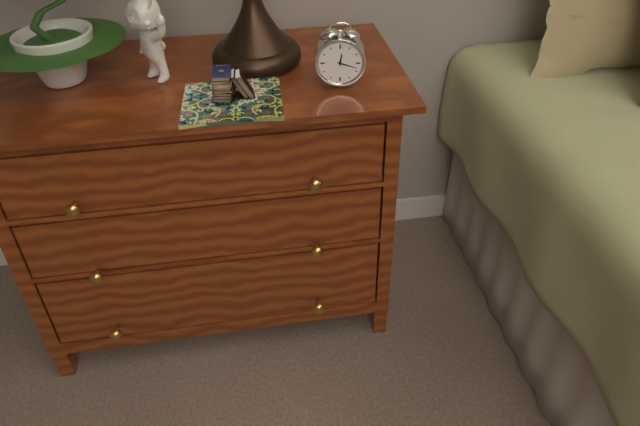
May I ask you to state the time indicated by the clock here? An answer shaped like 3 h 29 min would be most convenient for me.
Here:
12 h 18 min
